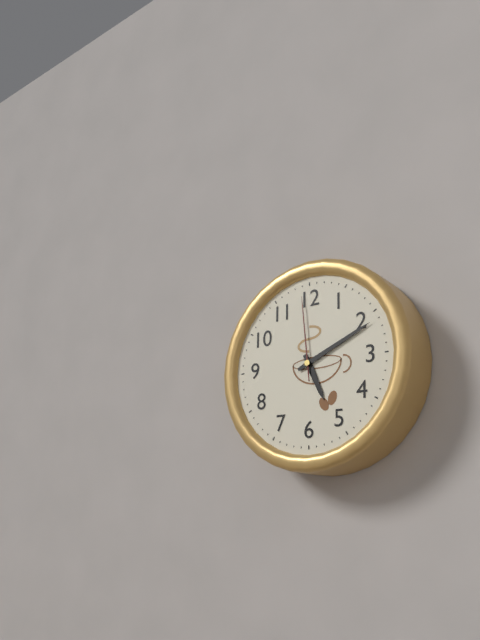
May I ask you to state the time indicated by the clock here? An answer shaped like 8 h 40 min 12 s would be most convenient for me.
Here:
5 h 11 min 59 s
